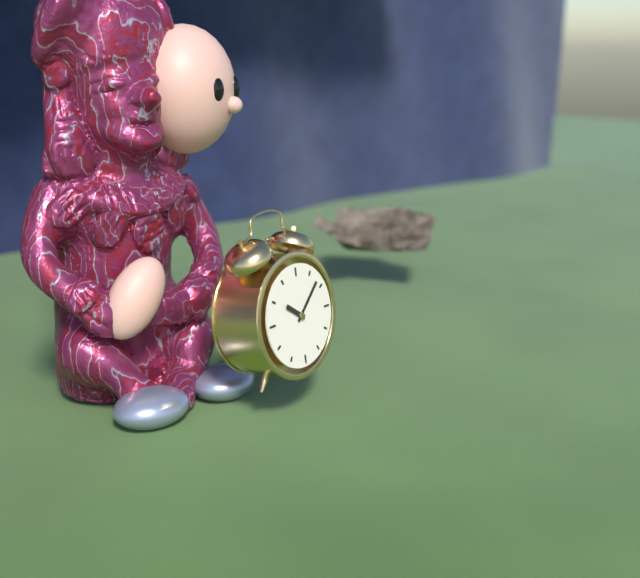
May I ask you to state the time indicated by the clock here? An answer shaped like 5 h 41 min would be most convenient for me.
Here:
10 h 08 min
